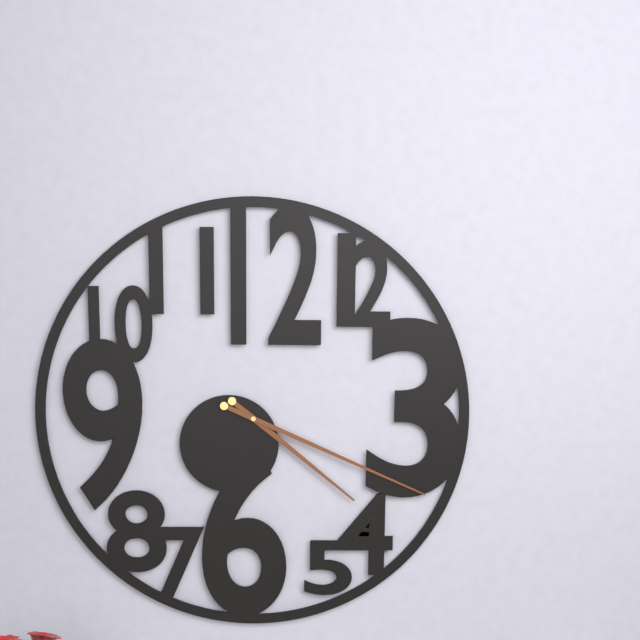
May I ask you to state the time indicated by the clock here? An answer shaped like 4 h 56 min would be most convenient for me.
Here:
4 h 19 min
